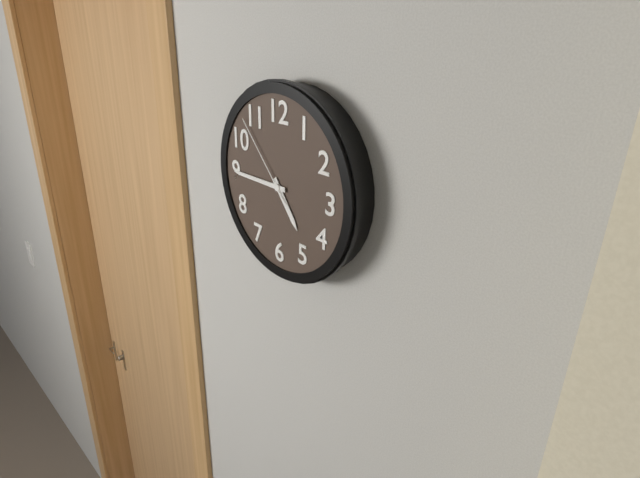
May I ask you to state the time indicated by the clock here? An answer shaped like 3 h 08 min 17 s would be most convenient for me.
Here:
4 h 45 min 53 s
